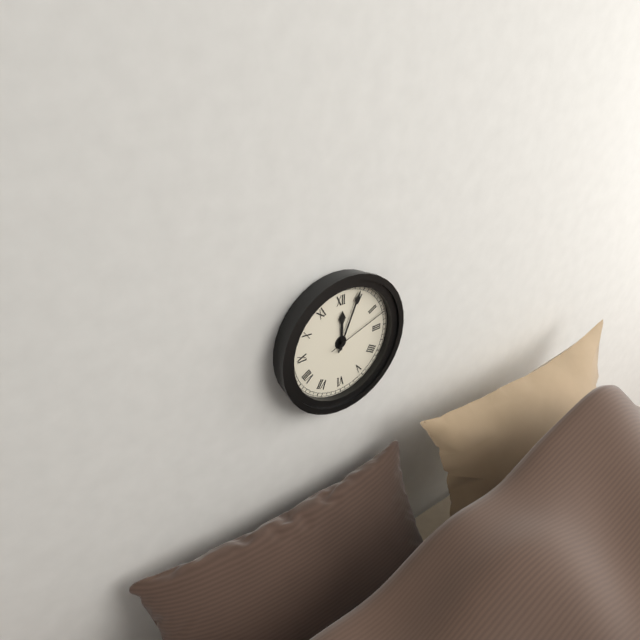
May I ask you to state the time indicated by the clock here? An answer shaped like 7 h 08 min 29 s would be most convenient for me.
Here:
12 h 04 min 12 s
